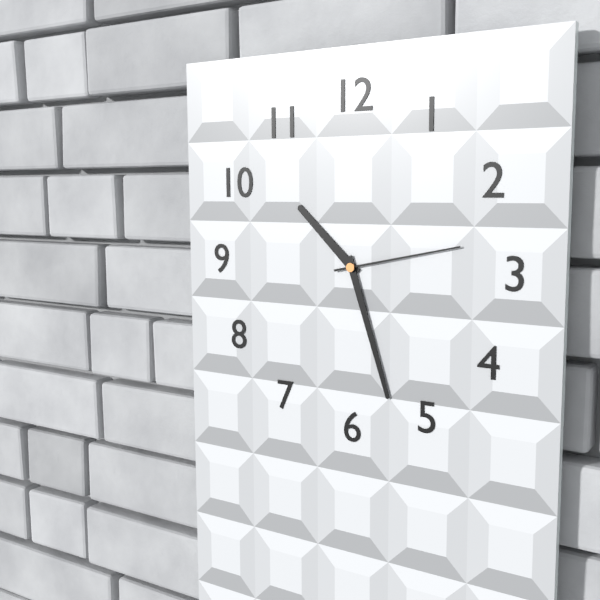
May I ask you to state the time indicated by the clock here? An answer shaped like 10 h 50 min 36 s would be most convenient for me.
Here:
10 h 27 min 13 s
